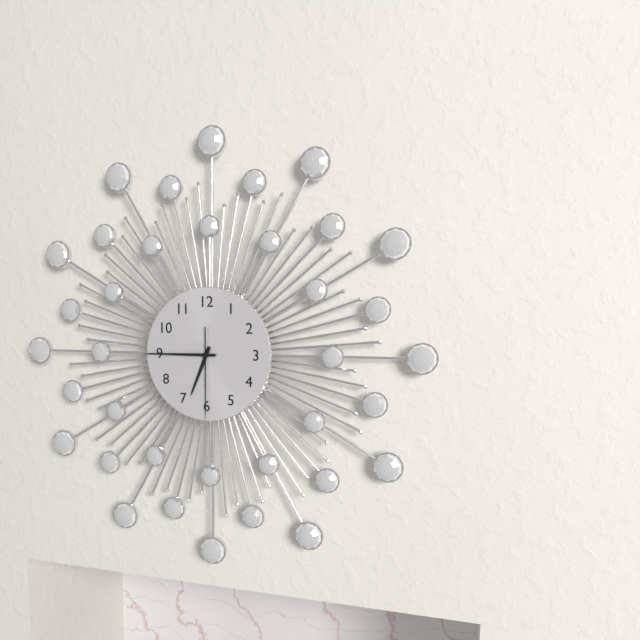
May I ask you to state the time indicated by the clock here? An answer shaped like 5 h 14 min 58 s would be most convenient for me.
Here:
6 h 45 min 30 s
